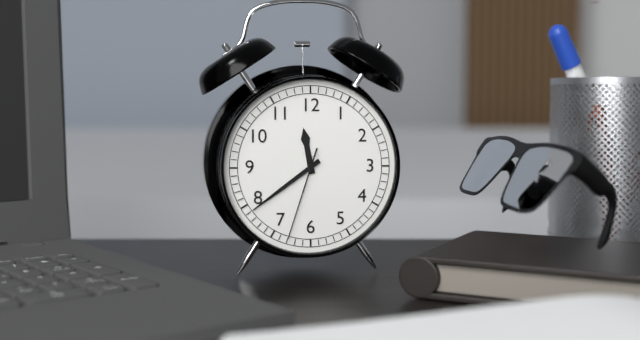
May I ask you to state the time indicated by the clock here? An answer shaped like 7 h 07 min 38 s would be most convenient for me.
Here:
11 h 39 min 33 s
